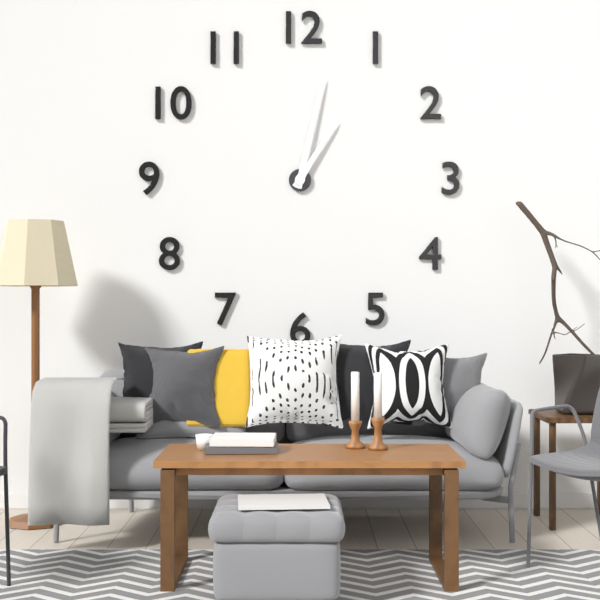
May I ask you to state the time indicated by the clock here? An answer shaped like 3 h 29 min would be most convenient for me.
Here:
1 h 02 min
